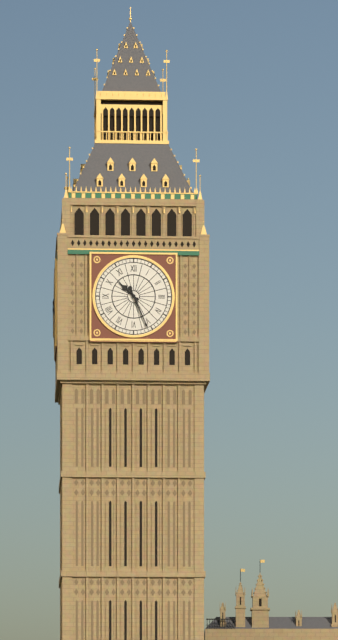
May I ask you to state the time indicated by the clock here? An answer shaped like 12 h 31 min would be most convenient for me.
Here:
10 h 26 min
